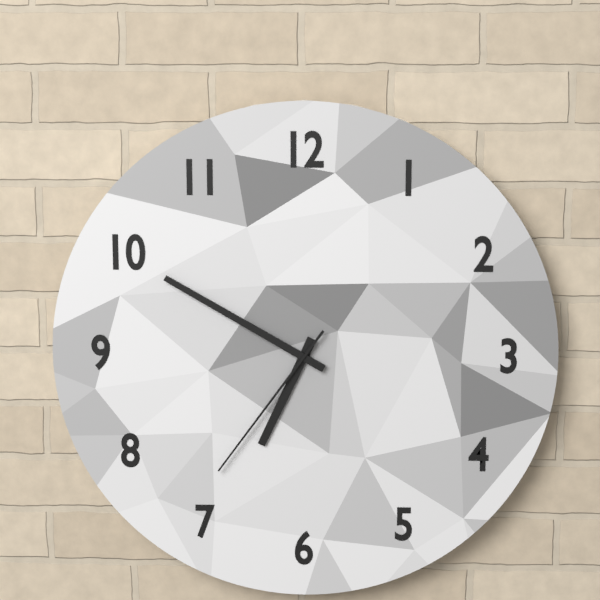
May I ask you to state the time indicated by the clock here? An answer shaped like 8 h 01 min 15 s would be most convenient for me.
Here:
6 h 50 min 36 s
